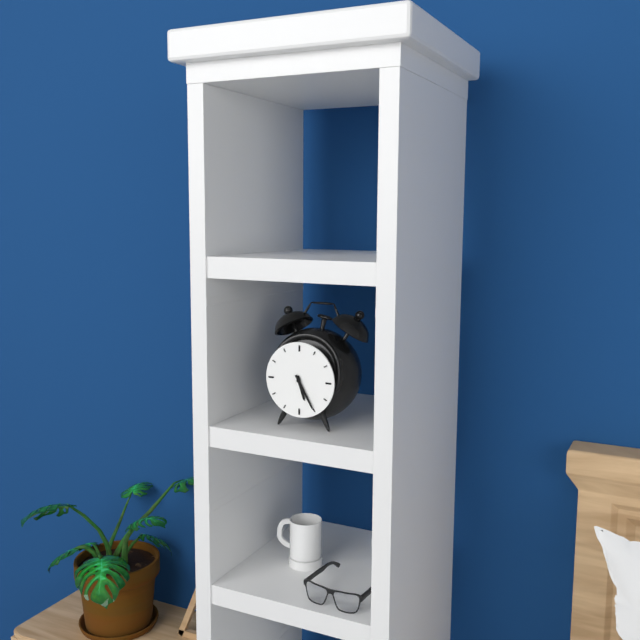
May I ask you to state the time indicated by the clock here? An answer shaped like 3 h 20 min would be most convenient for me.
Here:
5 h 25 min
